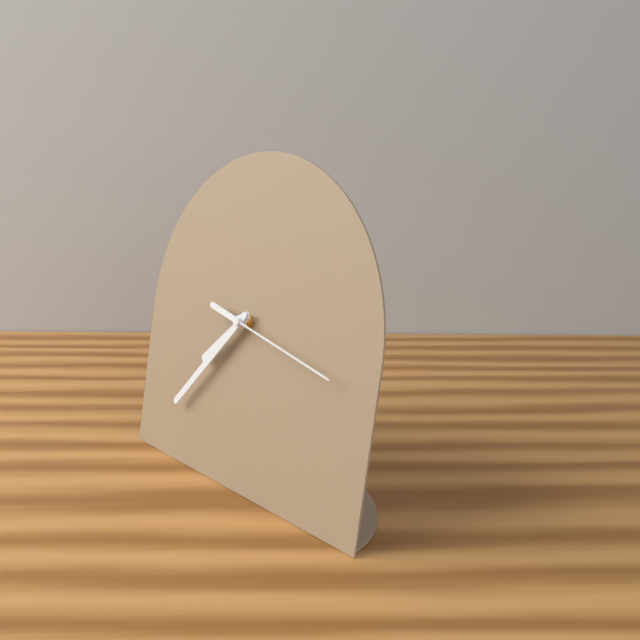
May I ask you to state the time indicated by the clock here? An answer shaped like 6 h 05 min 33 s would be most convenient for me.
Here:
7 h 37 min 17 s
